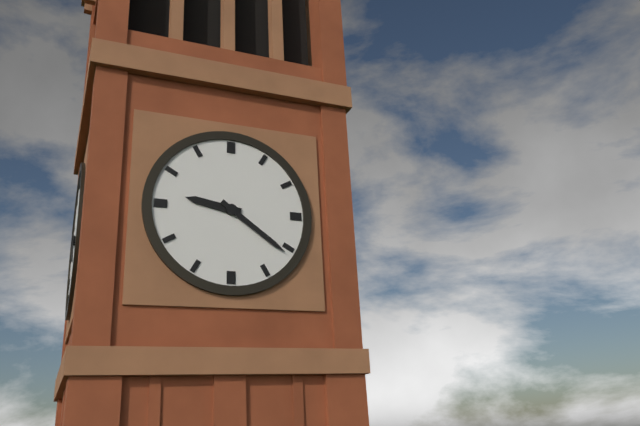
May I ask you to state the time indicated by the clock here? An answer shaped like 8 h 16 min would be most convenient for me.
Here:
9 h 21 min
